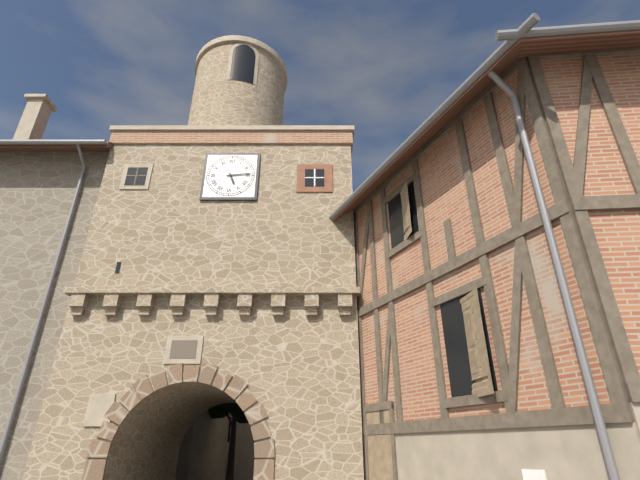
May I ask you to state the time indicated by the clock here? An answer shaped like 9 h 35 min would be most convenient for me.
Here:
5 h 14 min
